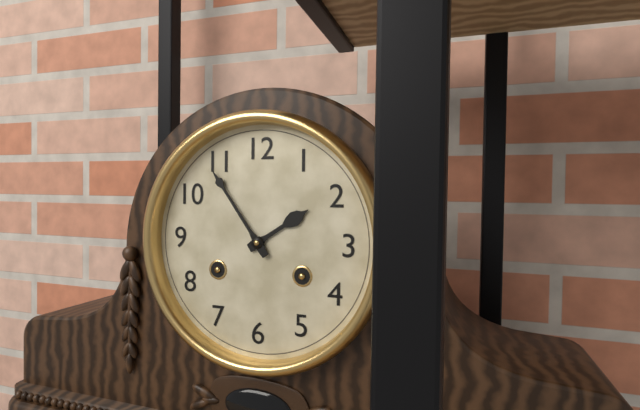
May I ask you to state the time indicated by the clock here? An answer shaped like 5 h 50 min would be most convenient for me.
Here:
1 h 54 min
